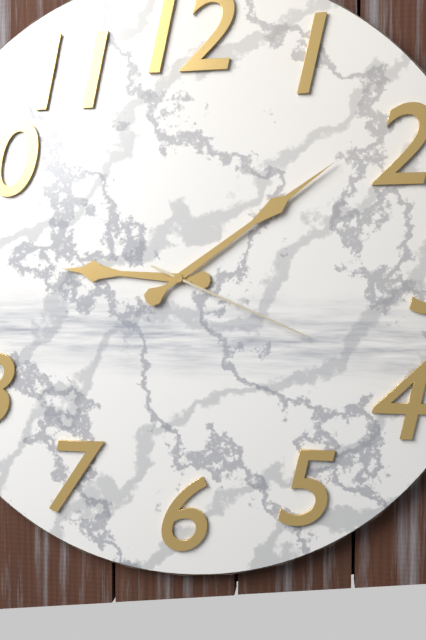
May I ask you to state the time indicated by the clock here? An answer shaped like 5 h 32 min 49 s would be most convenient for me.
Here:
9 h 09 min 19 s
